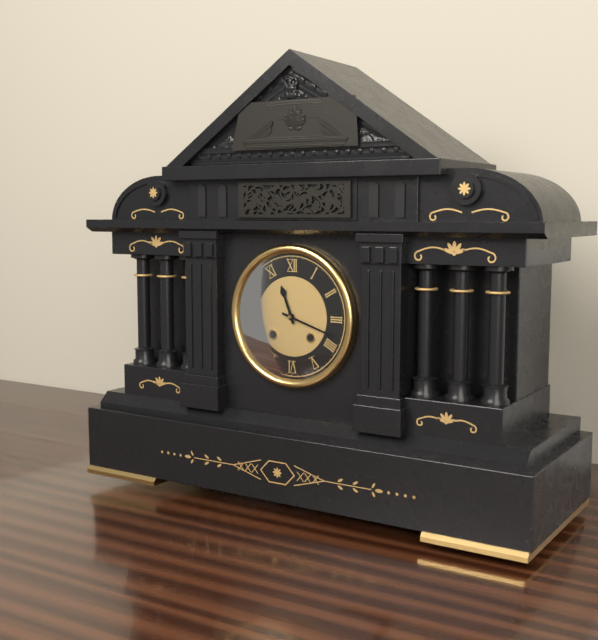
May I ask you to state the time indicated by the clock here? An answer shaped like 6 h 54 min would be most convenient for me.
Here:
11 h 18 min
